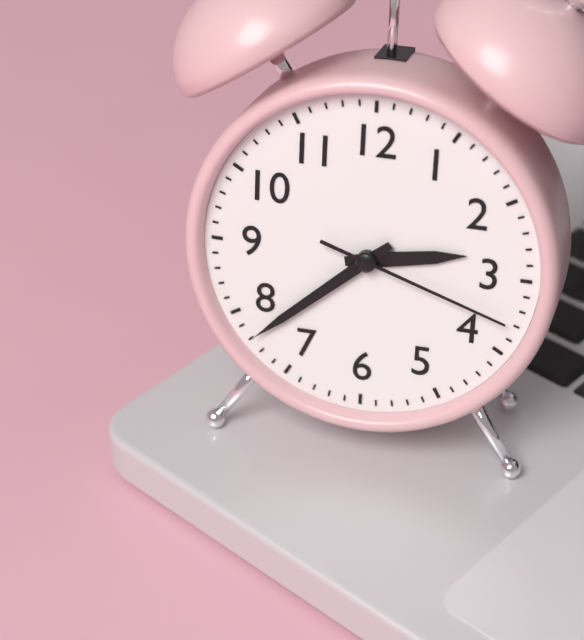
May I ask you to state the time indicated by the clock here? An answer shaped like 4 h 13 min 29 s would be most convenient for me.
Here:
2 h 38 min 18 s
